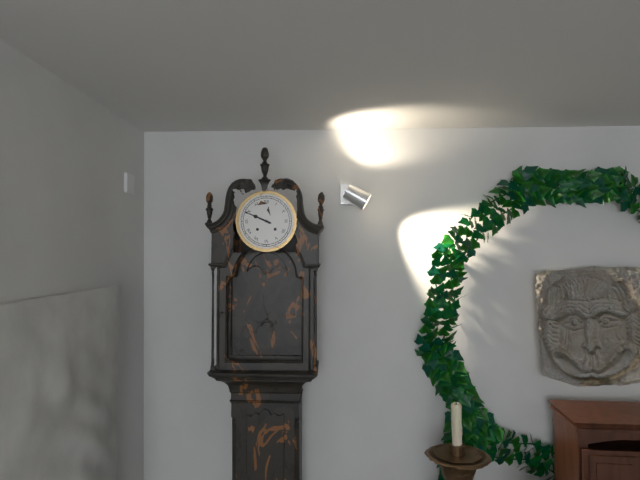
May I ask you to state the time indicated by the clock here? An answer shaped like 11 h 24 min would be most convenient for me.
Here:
9 h 49 min
